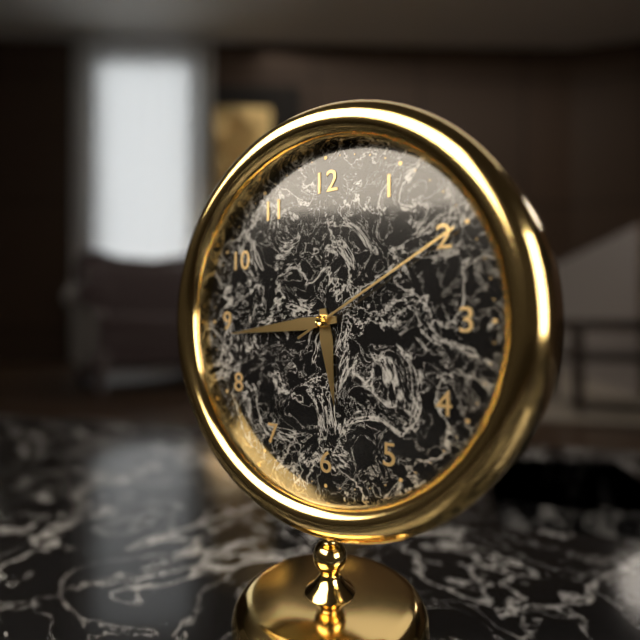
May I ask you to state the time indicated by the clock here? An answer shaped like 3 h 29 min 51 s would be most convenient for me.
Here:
5 h 44 min 10 s
